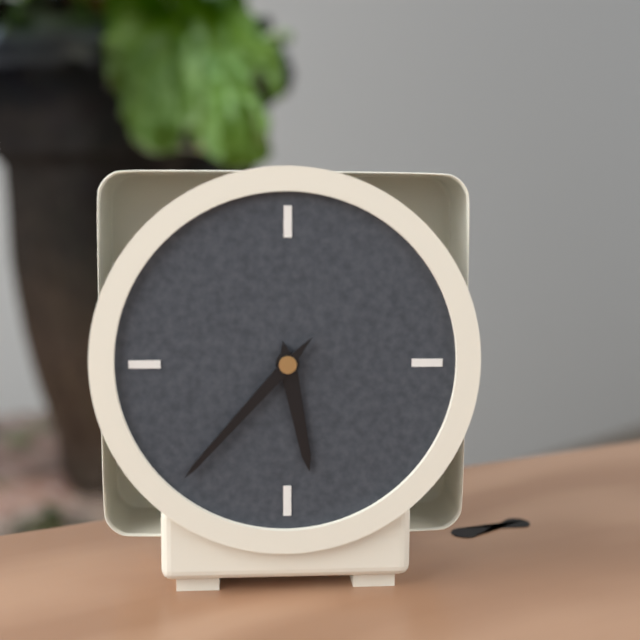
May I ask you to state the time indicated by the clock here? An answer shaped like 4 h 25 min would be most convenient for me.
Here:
5 h 37 min
